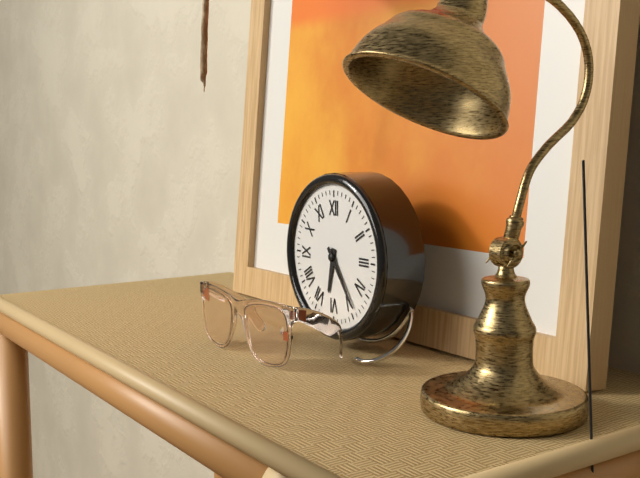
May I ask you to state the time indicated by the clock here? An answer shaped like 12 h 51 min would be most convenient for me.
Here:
6 h 24 min
